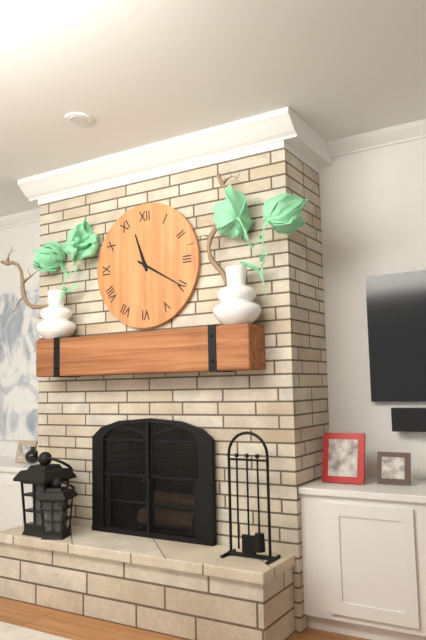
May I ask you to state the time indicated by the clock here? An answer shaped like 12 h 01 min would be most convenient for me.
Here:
11 h 20 min
